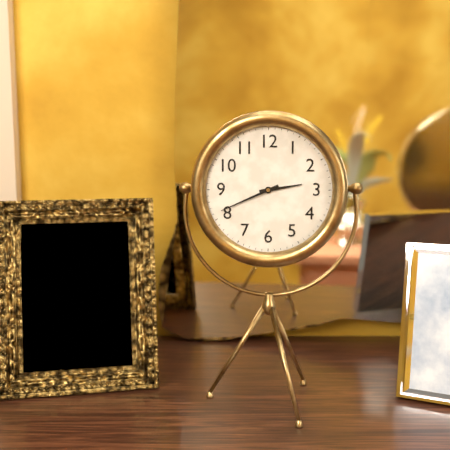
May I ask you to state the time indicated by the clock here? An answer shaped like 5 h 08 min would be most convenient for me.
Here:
2 h 41 min
